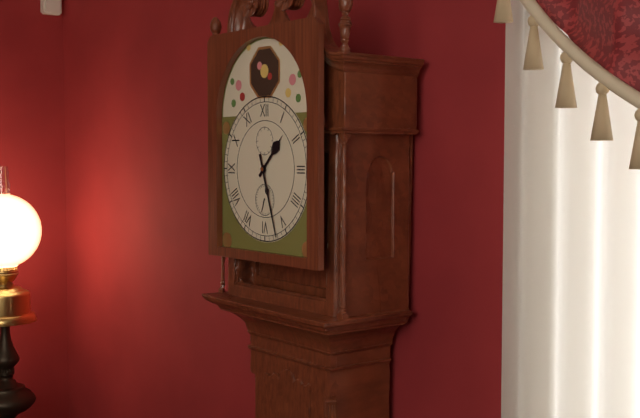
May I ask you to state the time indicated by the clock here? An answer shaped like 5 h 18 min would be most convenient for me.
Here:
1 h 27 min
